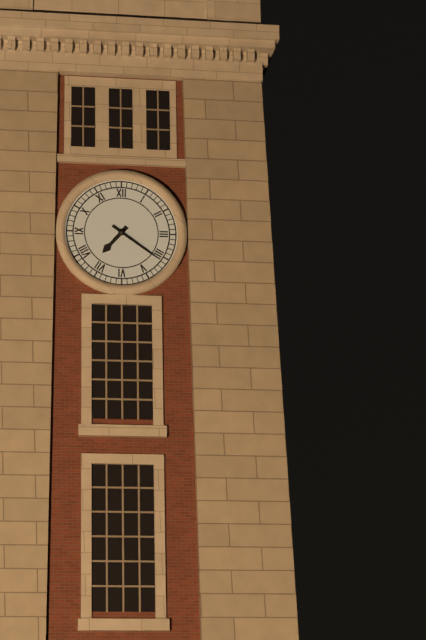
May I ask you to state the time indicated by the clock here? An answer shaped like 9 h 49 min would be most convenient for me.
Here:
7 h 21 min
